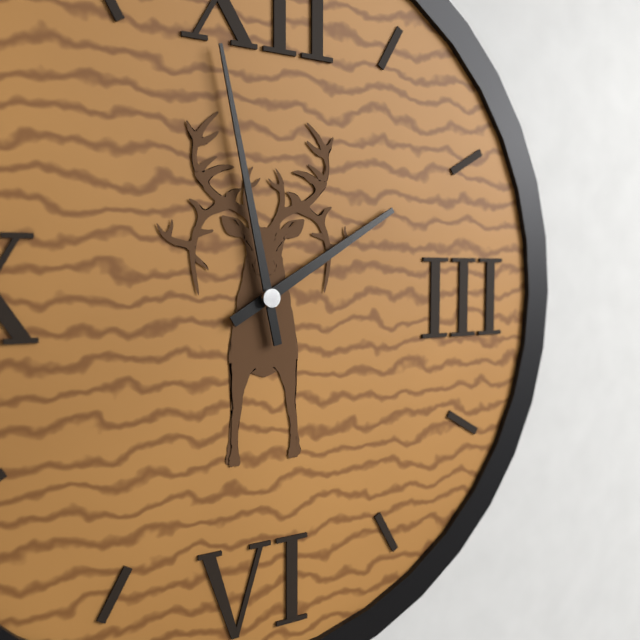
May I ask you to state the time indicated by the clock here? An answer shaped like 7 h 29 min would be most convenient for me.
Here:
1 h 58 min
